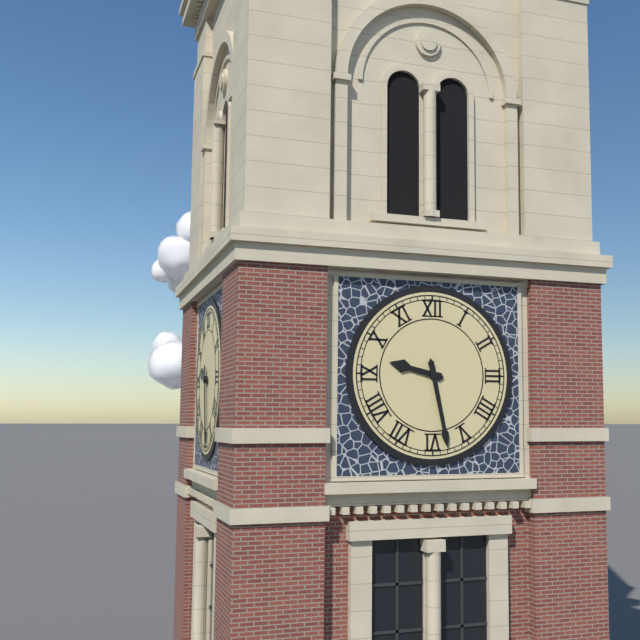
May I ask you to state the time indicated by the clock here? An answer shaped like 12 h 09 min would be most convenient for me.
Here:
9 h 28 min
